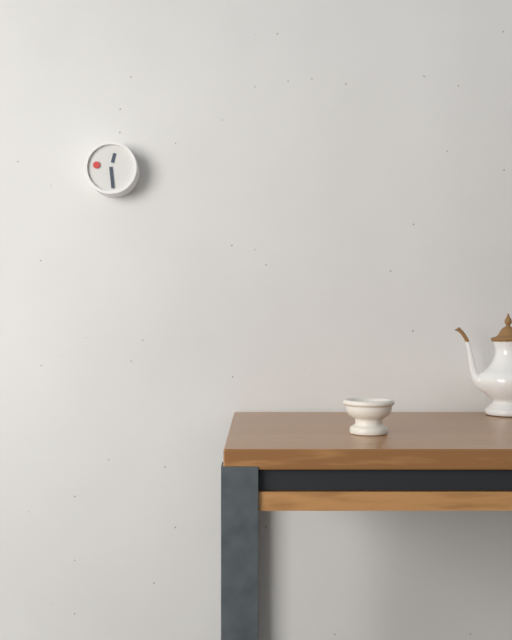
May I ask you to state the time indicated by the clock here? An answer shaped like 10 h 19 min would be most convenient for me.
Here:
12 h 29 min
